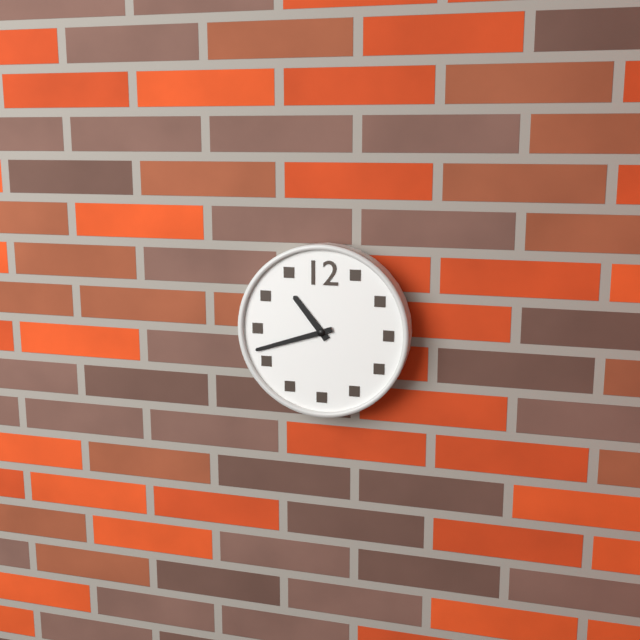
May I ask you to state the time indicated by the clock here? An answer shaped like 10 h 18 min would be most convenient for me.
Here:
10 h 42 min
